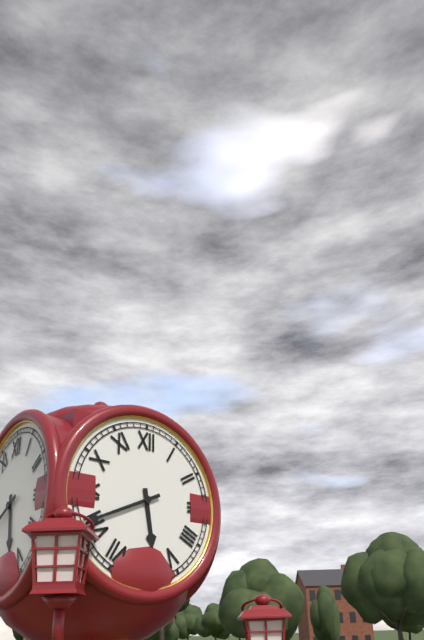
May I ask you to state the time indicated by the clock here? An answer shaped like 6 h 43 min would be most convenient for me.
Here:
5 h 41 min
